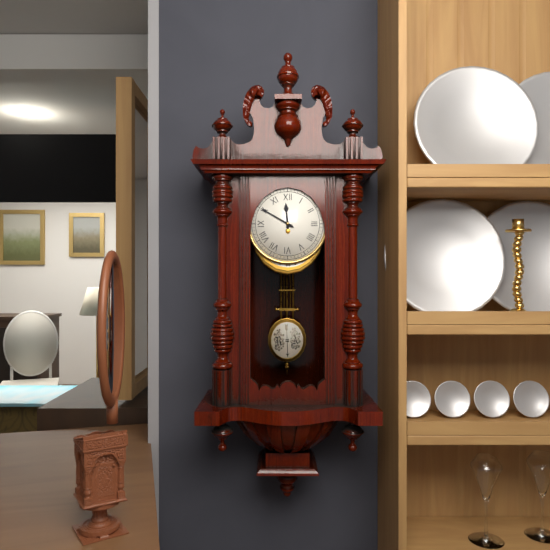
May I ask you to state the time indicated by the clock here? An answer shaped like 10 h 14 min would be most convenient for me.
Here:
11 h 50 min
